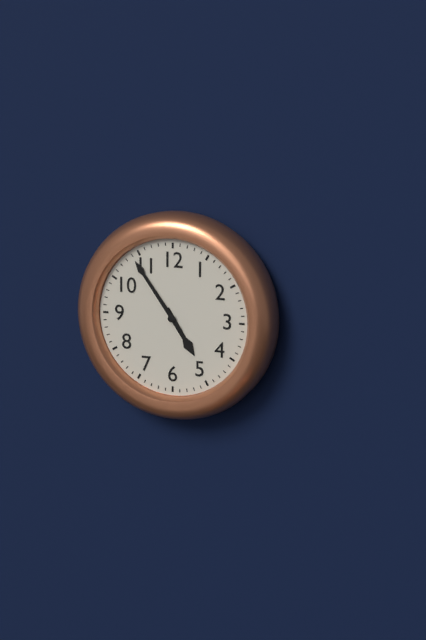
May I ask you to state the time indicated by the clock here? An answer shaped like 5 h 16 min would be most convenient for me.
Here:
4 h 54 min
